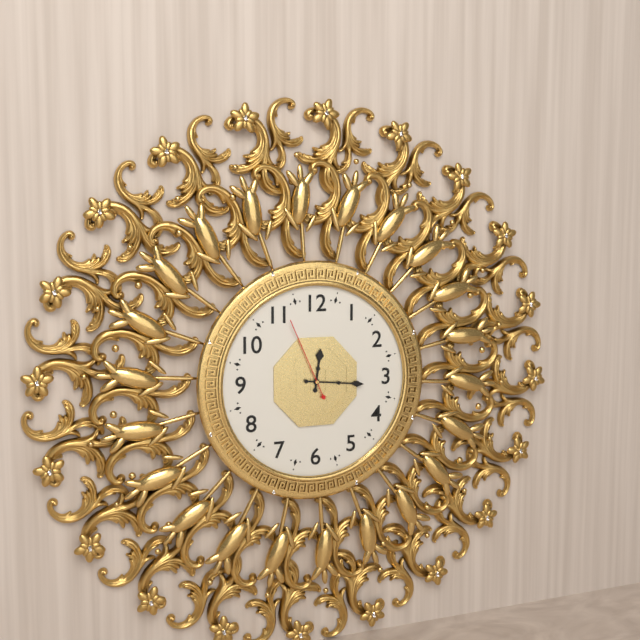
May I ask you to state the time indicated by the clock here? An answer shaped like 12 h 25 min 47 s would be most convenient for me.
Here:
12 h 16 min 56 s
